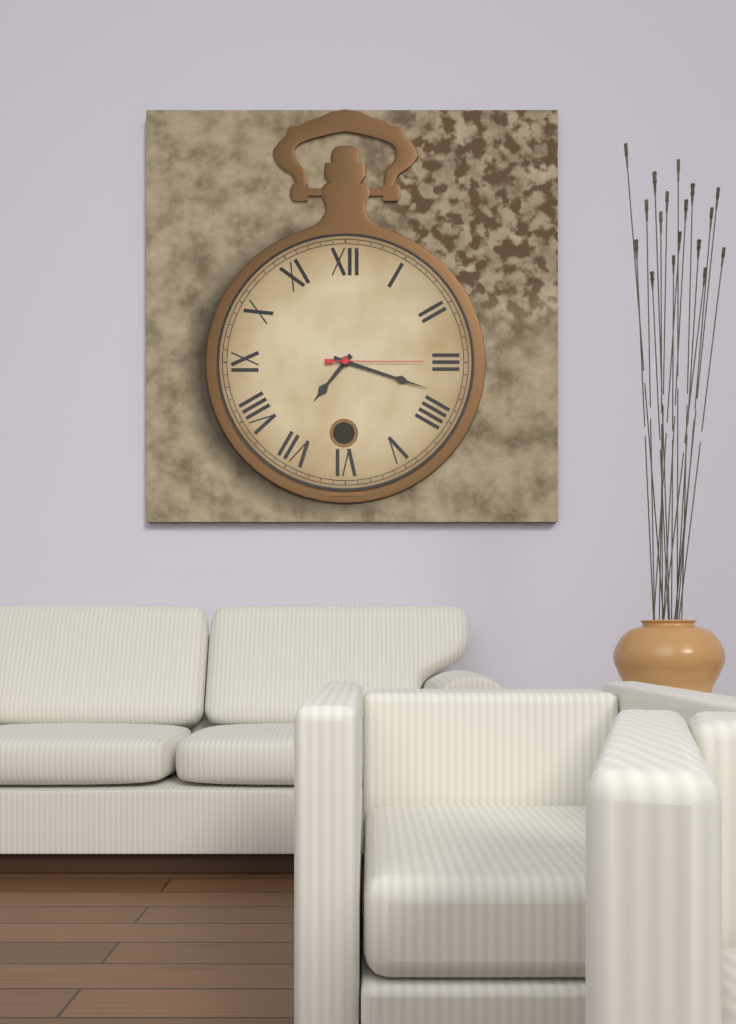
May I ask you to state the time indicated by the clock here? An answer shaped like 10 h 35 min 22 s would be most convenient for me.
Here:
7 h 18 min 15 s
